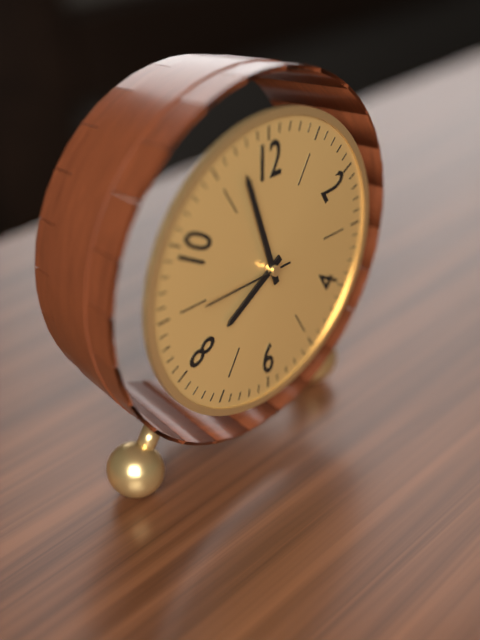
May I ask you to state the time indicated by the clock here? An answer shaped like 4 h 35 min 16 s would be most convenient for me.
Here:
7 h 57 min 45 s
